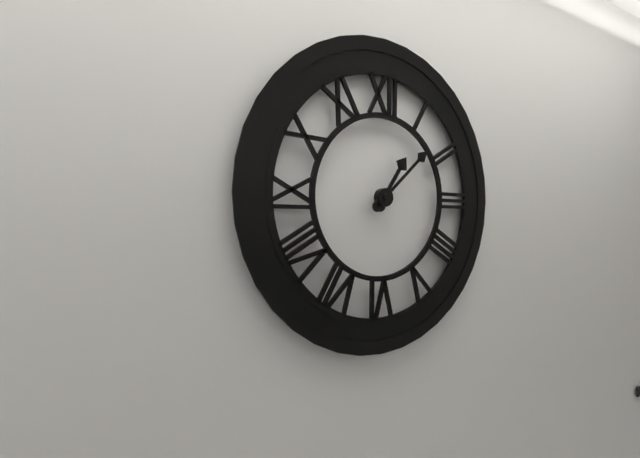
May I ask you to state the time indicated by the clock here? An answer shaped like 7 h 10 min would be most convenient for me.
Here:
1 h 08 min
